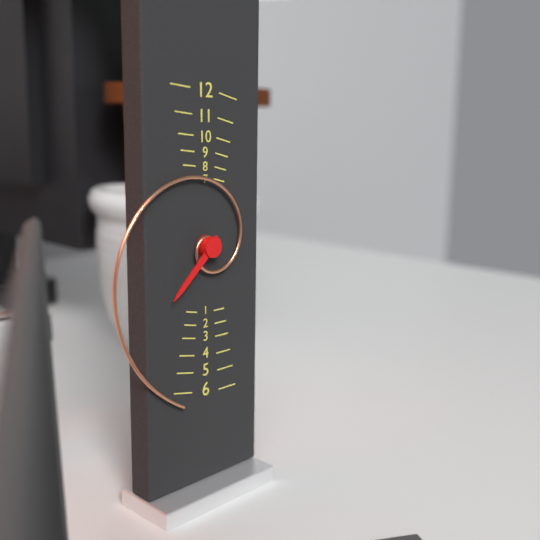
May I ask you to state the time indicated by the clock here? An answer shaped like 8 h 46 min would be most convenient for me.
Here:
7 h 32 min
